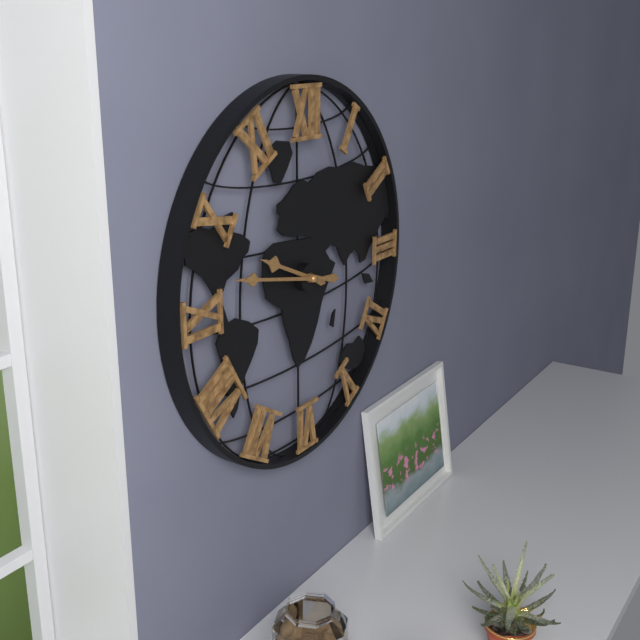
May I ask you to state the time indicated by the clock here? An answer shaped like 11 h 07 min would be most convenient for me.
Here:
9 h 47 min
